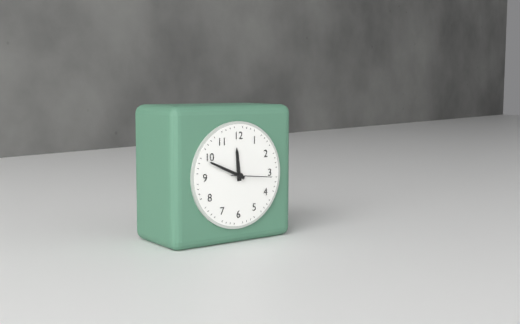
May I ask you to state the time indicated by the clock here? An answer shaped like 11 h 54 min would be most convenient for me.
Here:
11 h 49 min
